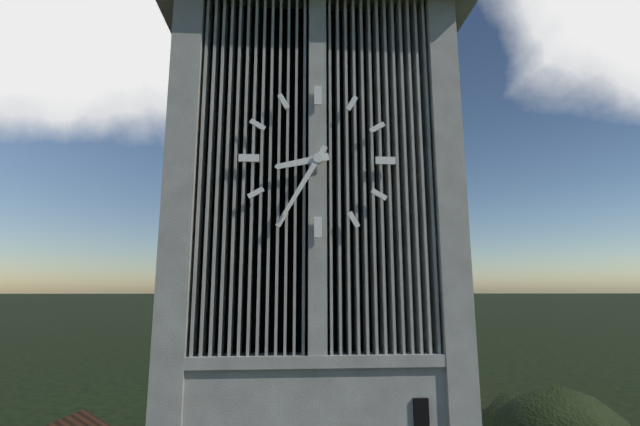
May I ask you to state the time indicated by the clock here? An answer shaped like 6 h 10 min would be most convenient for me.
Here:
8 h 35 min
